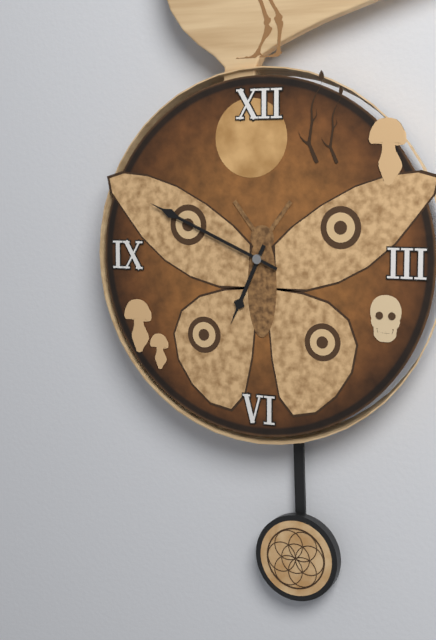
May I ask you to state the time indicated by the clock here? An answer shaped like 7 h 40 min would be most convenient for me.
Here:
6 h 49 min
